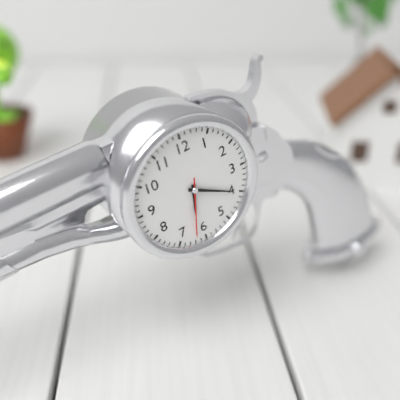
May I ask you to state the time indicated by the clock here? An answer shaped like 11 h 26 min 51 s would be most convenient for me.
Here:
6 h 20 min 32 s
